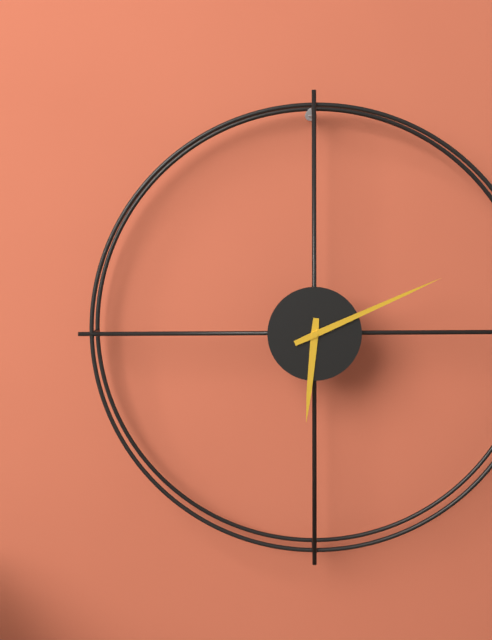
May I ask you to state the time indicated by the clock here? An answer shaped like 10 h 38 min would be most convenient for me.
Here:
6 h 11 min
